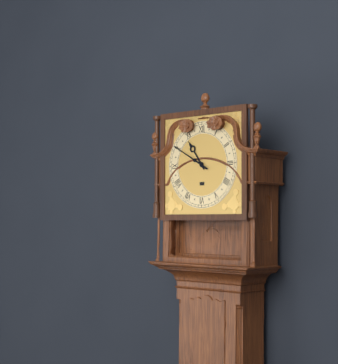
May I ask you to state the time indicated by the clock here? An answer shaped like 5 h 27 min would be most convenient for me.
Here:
10 h 50 min
